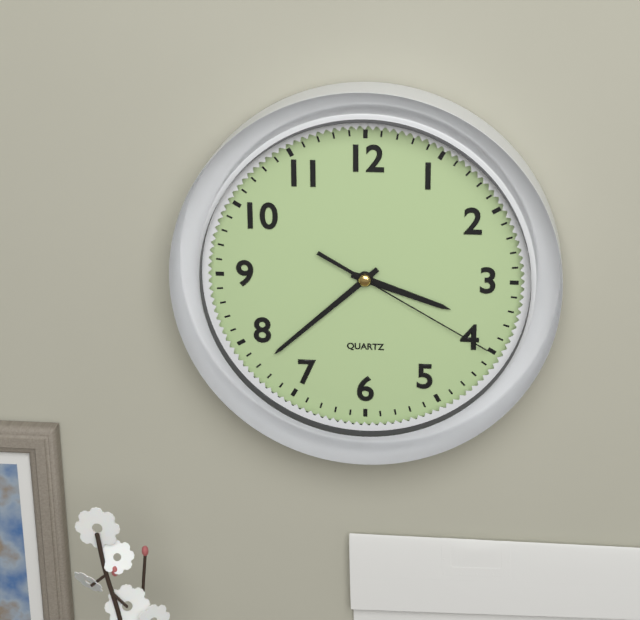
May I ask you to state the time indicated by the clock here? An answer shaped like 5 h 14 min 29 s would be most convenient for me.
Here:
3 h 38 min 20 s
